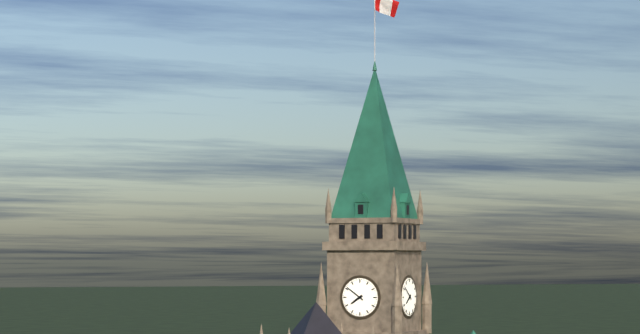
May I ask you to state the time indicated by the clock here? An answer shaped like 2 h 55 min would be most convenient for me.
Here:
7 h 51 min
